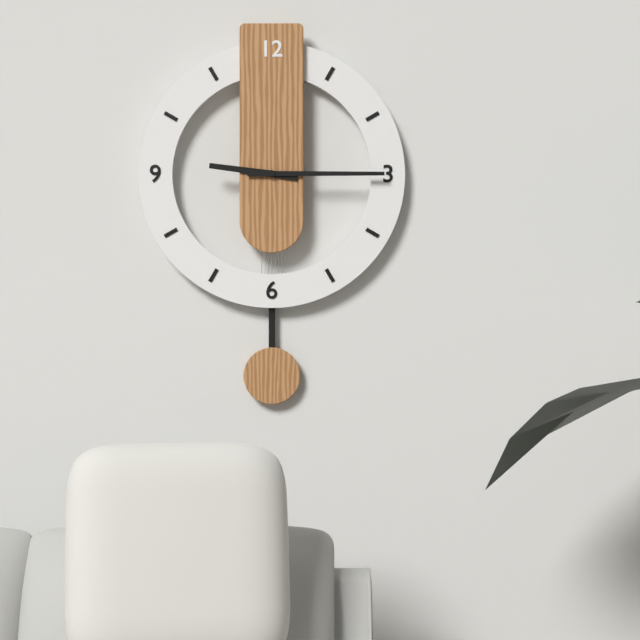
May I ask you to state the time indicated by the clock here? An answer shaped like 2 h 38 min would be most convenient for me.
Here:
9 h 15 min
